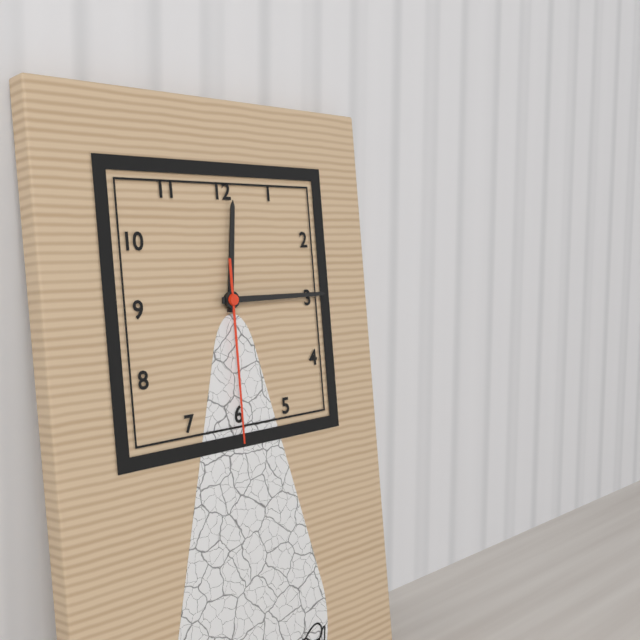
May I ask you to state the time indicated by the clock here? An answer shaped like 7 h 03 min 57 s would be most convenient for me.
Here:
12 h 15 min 30 s
